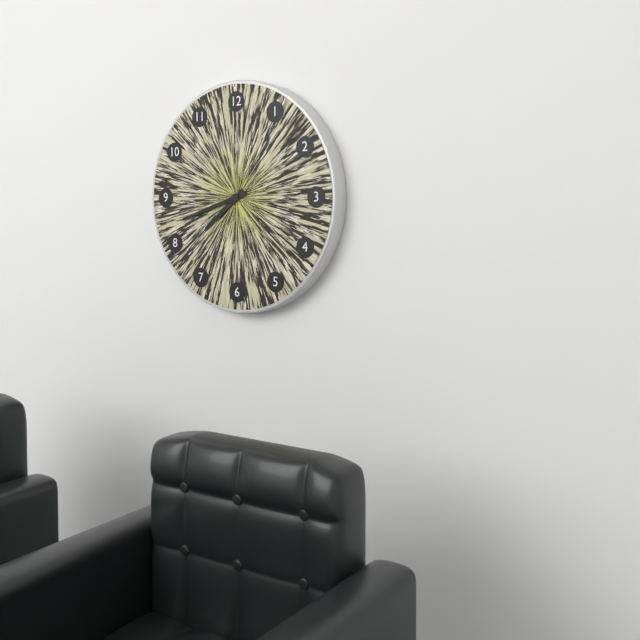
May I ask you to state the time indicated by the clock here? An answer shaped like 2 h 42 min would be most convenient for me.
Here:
7 h 42 min
